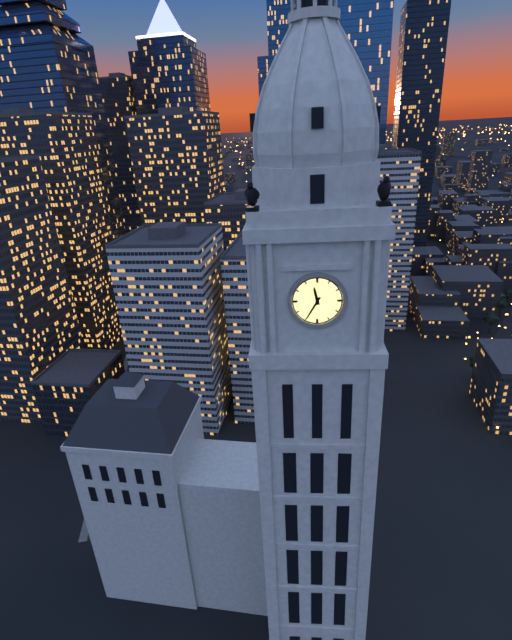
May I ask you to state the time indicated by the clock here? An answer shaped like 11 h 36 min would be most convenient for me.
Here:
11 h 35 min
